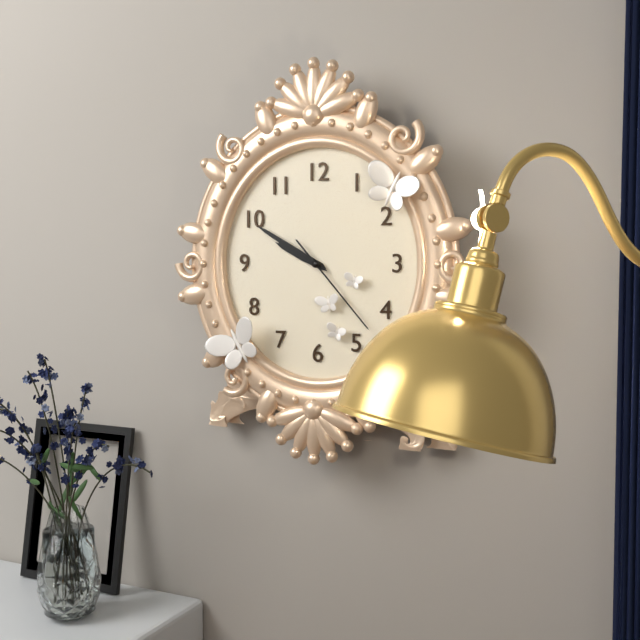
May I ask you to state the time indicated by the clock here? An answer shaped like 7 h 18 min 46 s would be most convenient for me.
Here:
9 h 50 min 23 s
